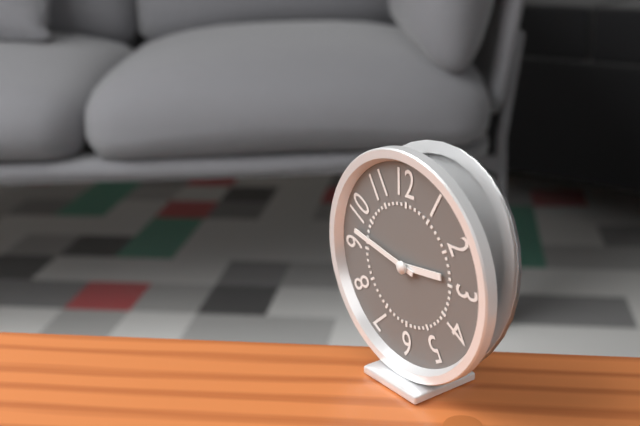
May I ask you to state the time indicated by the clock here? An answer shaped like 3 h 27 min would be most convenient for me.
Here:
2 h 47 min
